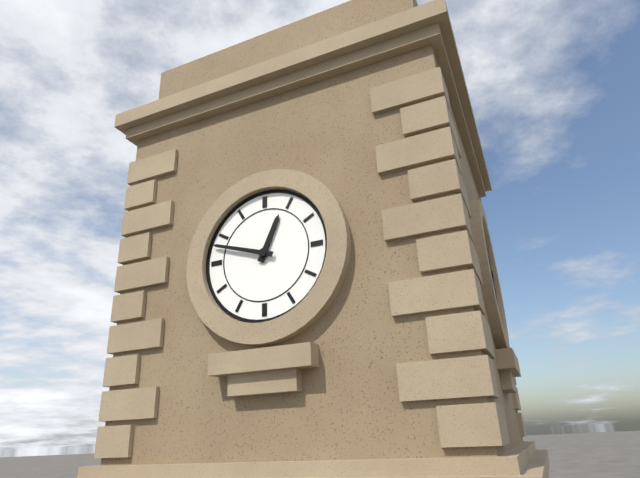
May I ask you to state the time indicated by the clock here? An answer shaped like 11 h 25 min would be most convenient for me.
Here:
12 h 48 min
